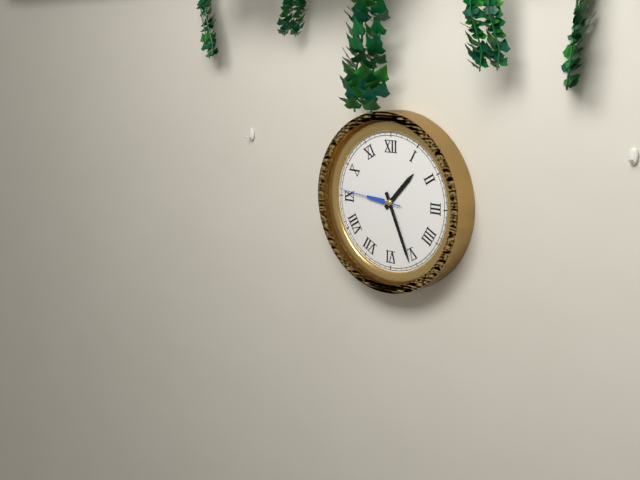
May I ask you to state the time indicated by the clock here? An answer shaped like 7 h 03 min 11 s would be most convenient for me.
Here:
1 h 26 min 46 s
